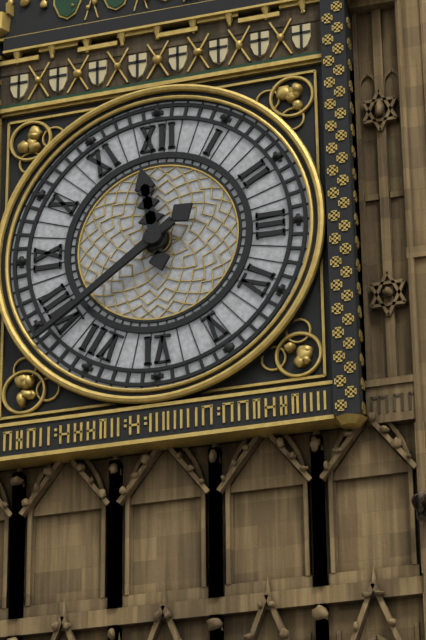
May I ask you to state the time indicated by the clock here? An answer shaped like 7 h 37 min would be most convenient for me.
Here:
11 h 39 min
